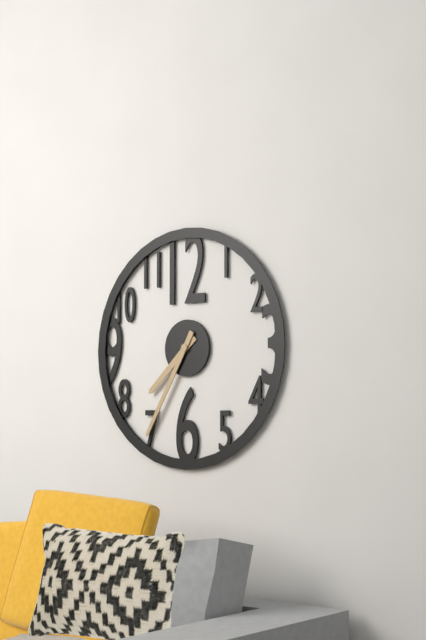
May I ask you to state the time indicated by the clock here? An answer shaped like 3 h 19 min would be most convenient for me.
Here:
7 h 35 min
